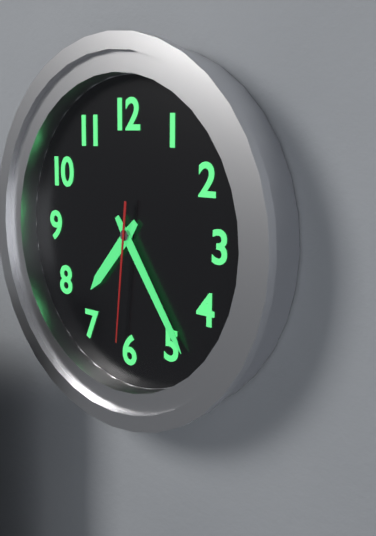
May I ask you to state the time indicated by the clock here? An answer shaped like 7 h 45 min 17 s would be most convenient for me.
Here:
7 h 24 min 31 s
